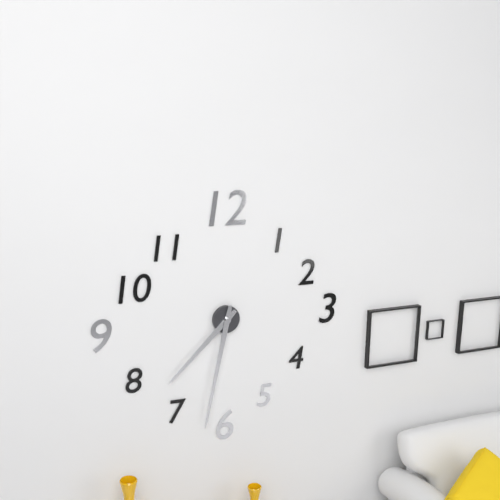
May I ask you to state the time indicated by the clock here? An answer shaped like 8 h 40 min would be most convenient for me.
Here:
7 h 32 min
